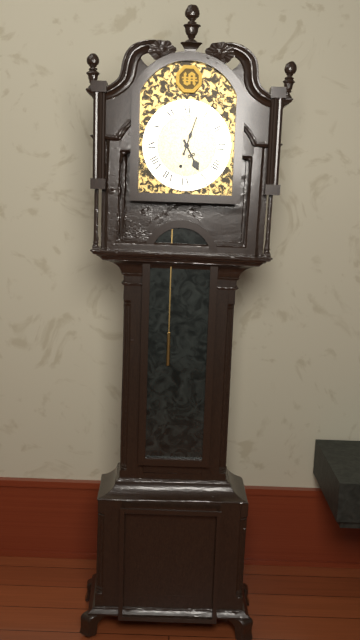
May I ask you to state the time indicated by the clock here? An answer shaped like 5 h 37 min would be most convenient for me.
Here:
5 h 03 min
